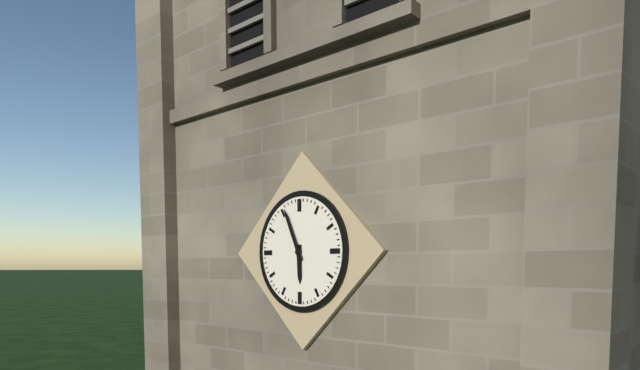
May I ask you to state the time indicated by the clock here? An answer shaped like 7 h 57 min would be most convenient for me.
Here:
5 h 56 min
